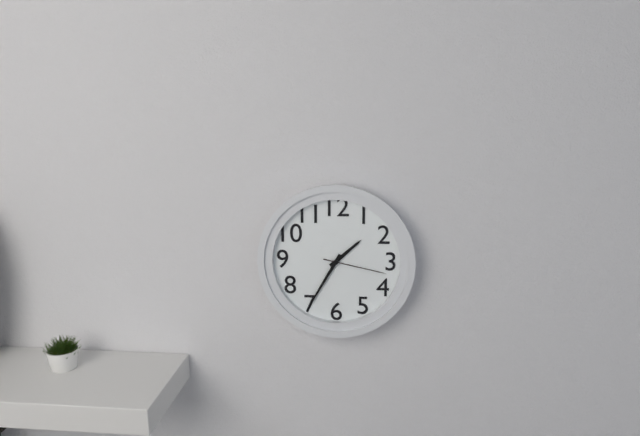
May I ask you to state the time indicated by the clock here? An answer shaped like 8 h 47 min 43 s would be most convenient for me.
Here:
1 h 35 min 17 s
